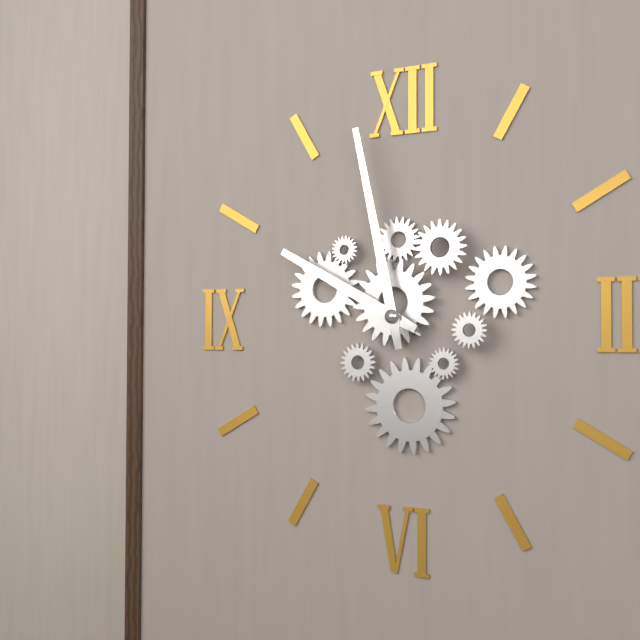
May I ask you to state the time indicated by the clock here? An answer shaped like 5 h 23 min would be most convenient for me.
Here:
9 h 58 min
